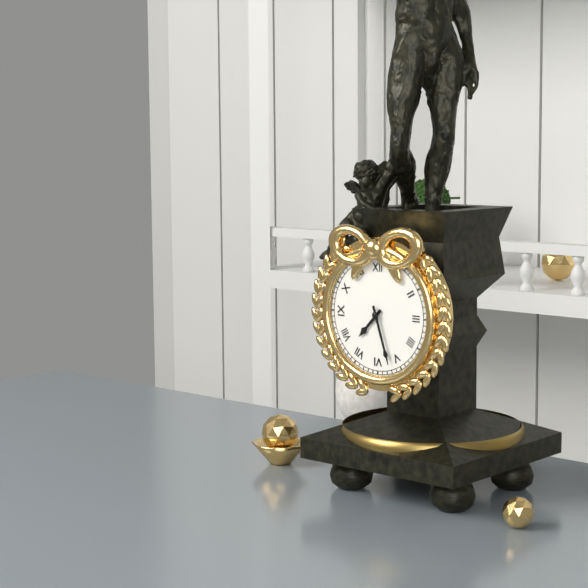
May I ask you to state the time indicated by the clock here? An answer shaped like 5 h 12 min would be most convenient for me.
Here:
7 h 27 min
